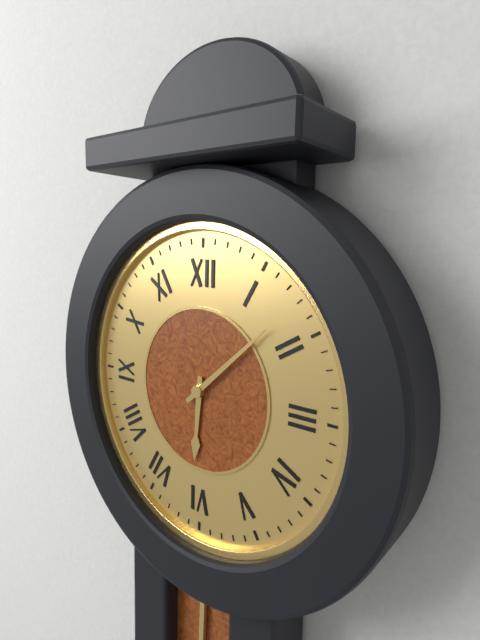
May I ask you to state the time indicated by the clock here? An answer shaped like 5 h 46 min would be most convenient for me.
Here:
6 h 08 min
